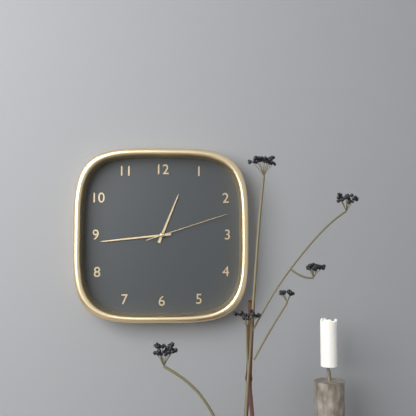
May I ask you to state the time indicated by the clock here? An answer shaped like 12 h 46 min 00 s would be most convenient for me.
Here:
12 h 44 min 12 s
